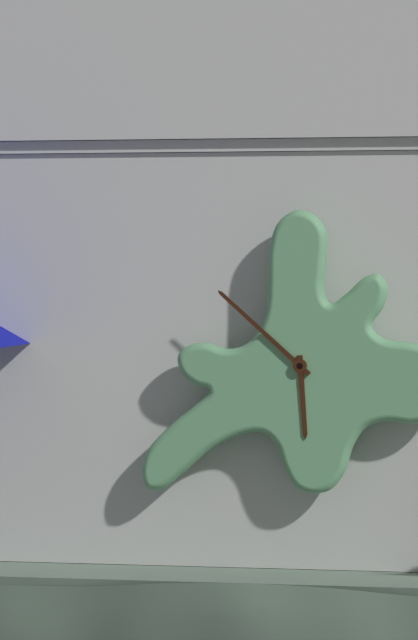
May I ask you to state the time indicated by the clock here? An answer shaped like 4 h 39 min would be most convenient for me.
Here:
5 h 52 min
